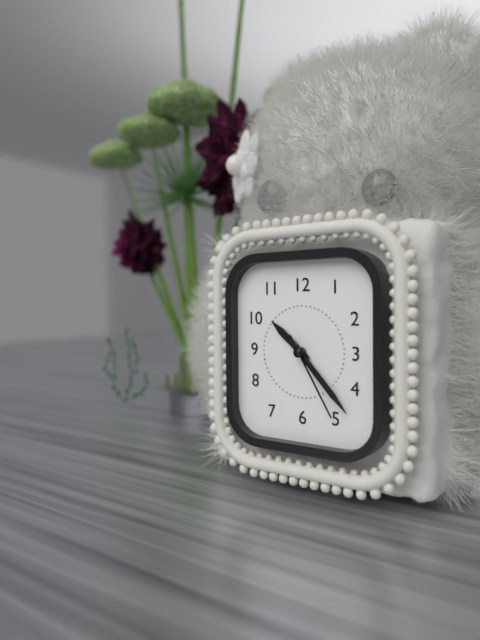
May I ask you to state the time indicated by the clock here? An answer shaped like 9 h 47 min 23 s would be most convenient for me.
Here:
10 h 23 min 25 s
